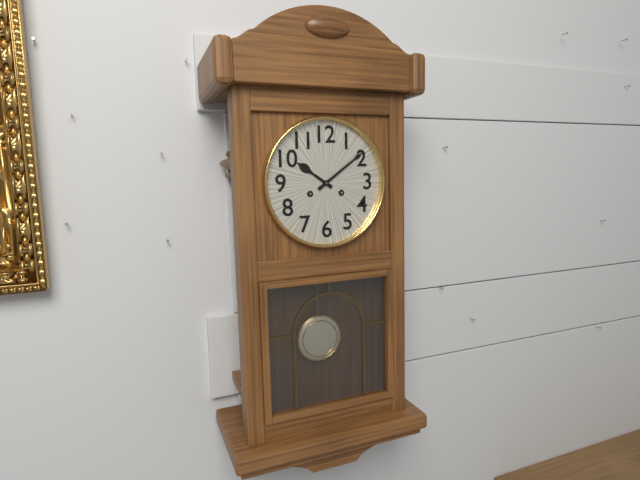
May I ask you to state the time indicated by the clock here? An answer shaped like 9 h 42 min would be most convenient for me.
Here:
10 h 09 min
